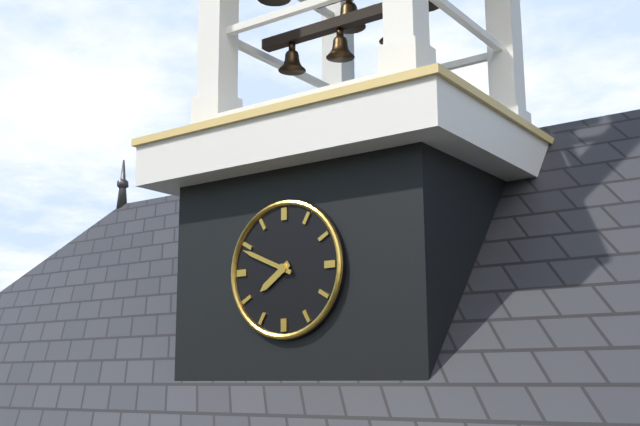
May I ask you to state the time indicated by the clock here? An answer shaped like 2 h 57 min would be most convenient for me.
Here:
7 h 49 min
